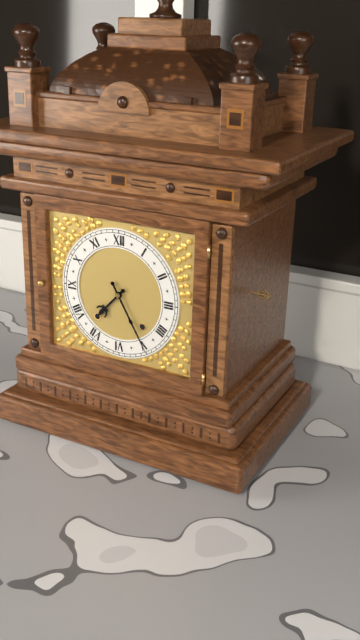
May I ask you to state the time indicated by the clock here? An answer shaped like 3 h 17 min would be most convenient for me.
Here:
7 h 25 min
